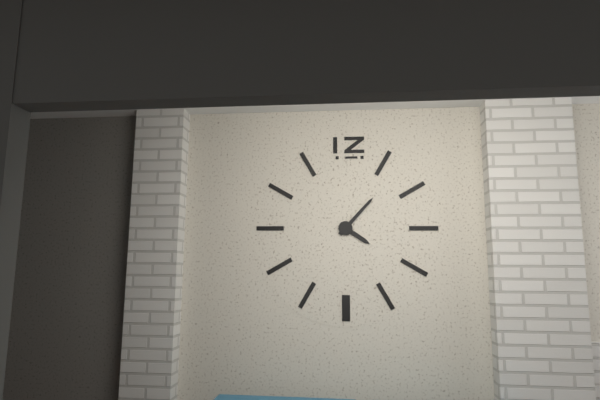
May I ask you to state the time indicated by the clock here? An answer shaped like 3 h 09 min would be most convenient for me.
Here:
4 h 07 min
